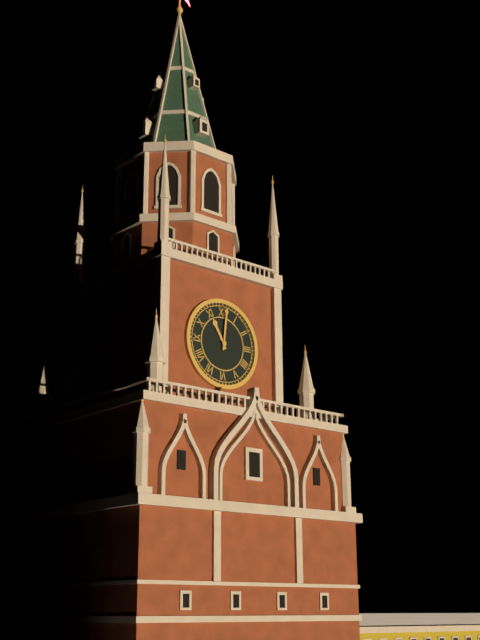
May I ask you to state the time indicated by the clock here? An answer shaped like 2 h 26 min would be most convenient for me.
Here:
11 h 01 min
